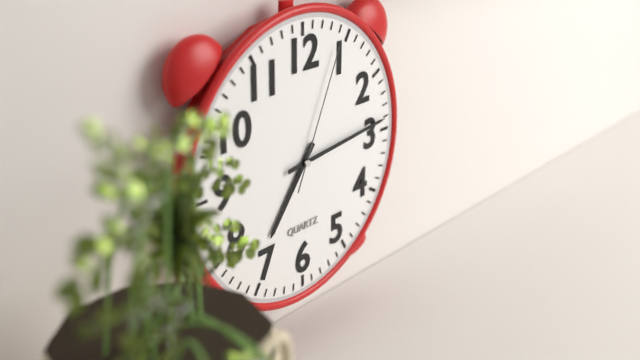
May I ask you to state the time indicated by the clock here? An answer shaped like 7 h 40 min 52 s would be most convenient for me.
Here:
7 h 14 min 04 s
